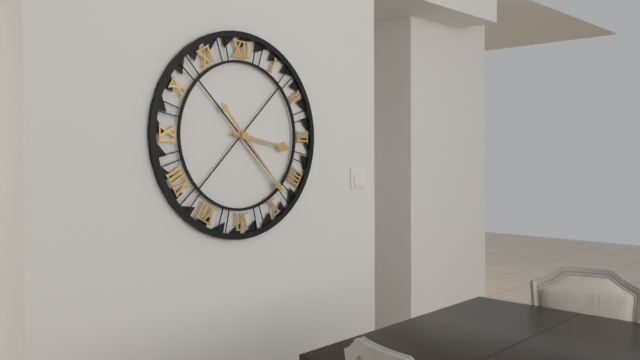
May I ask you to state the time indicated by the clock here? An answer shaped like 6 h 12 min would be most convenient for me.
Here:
3 h 23 min
